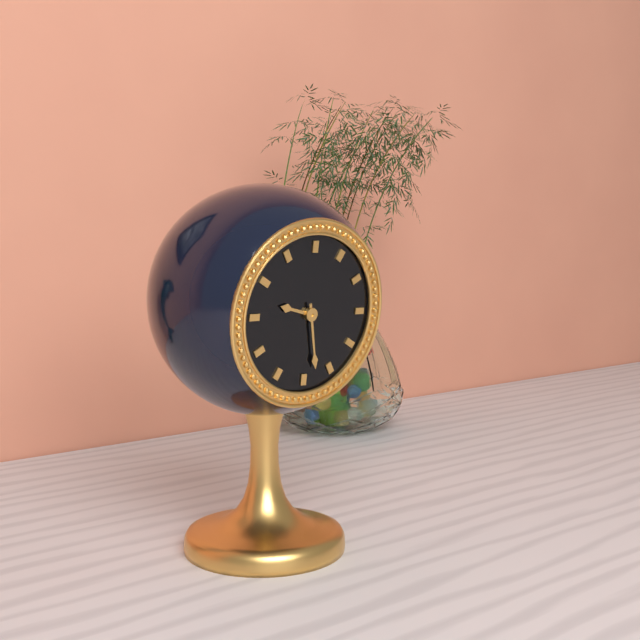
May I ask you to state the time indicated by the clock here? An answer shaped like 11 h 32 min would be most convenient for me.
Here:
9 h 28 min
